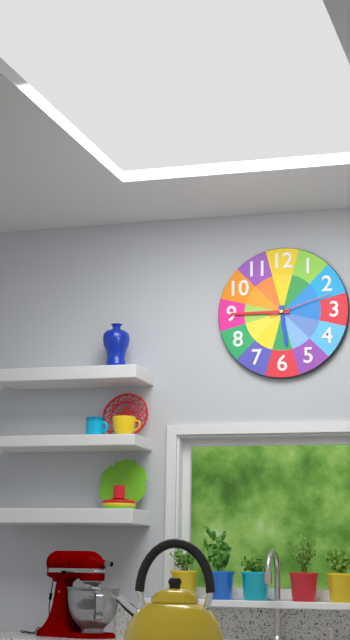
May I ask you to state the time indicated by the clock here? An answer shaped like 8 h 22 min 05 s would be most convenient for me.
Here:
5 h 45 min 12 s
